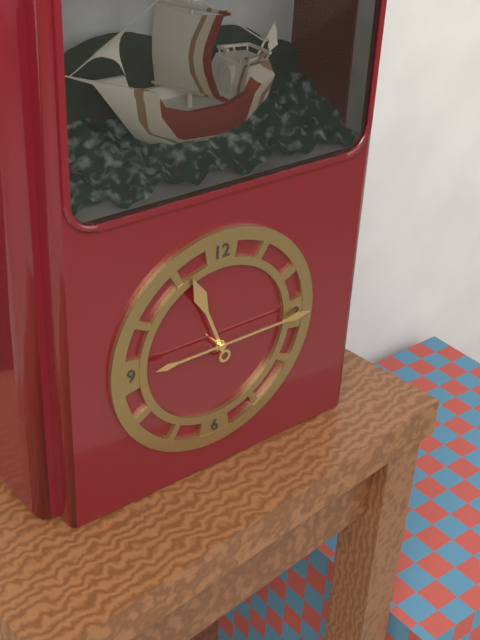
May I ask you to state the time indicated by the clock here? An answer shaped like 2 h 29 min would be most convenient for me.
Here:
11 h 15 min
